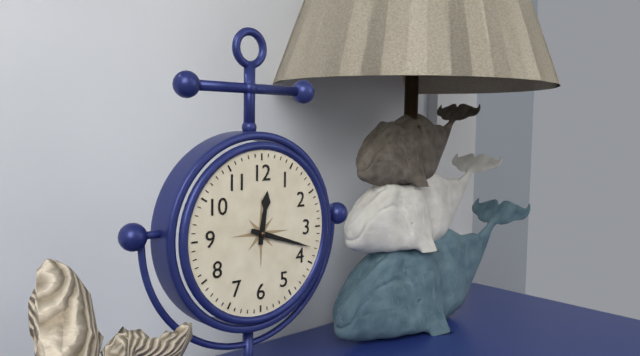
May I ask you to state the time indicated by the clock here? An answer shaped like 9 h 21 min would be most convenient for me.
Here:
12 h 18 min
